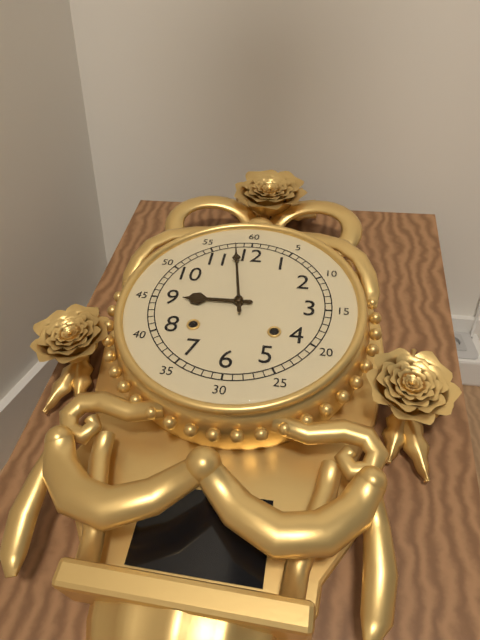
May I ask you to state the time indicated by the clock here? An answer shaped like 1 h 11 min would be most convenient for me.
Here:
8 h 58 min
